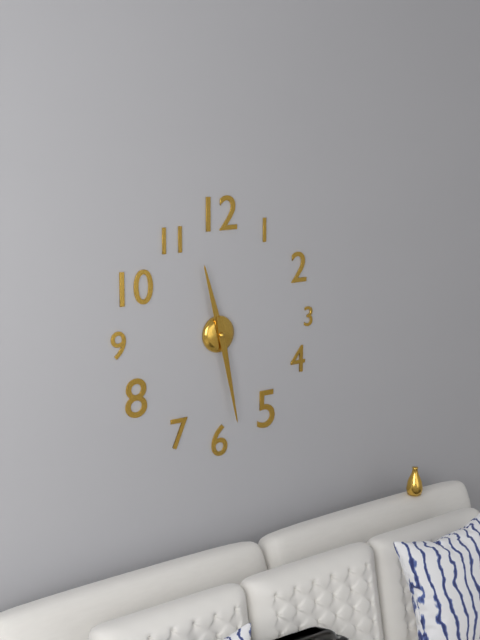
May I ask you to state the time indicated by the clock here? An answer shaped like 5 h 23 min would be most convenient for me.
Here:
11 h 28 min
